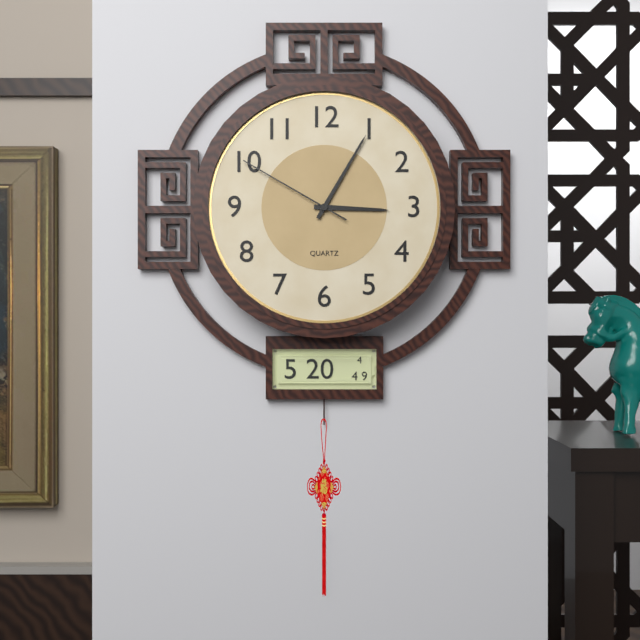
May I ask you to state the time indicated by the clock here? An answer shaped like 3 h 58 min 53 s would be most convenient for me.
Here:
3 h 05 min 50 s
